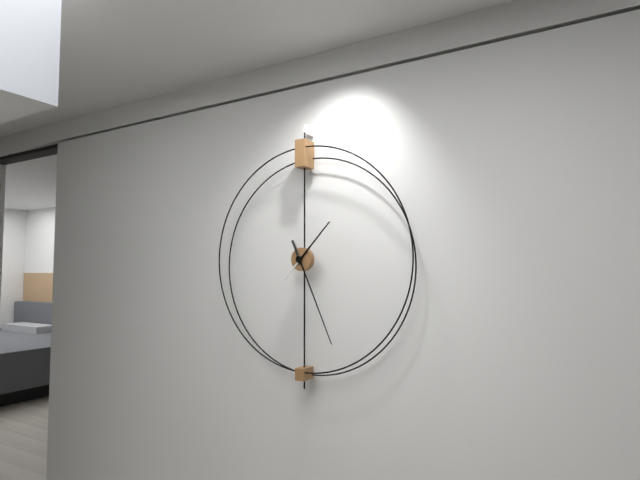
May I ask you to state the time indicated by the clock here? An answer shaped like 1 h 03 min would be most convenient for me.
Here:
1 h 26 min
